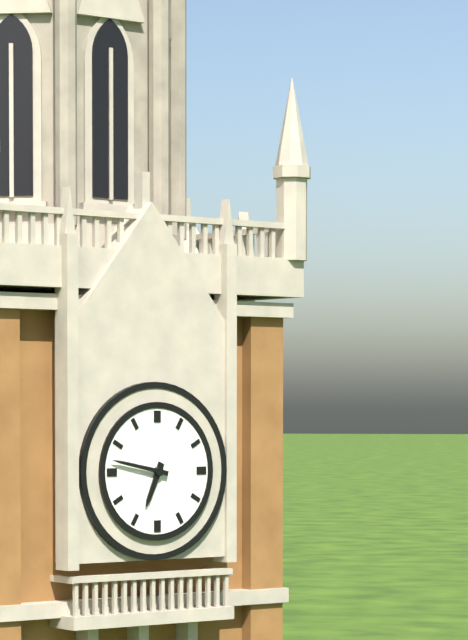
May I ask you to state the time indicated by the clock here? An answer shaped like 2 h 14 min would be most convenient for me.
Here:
6 h 47 min
